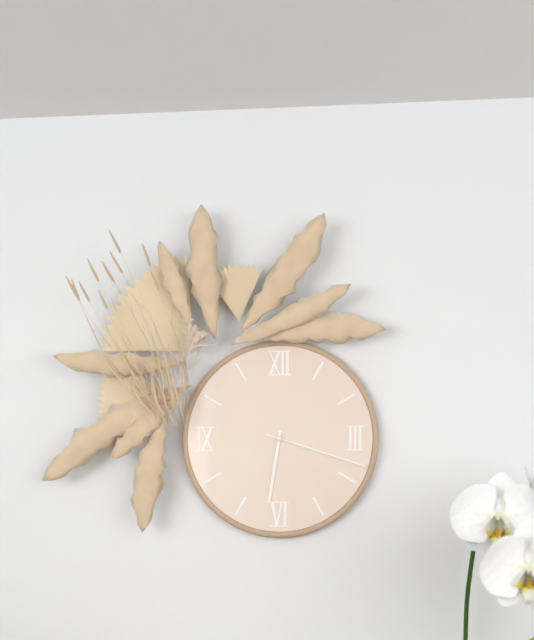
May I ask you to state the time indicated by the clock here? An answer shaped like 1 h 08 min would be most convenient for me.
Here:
6 h 18 min
